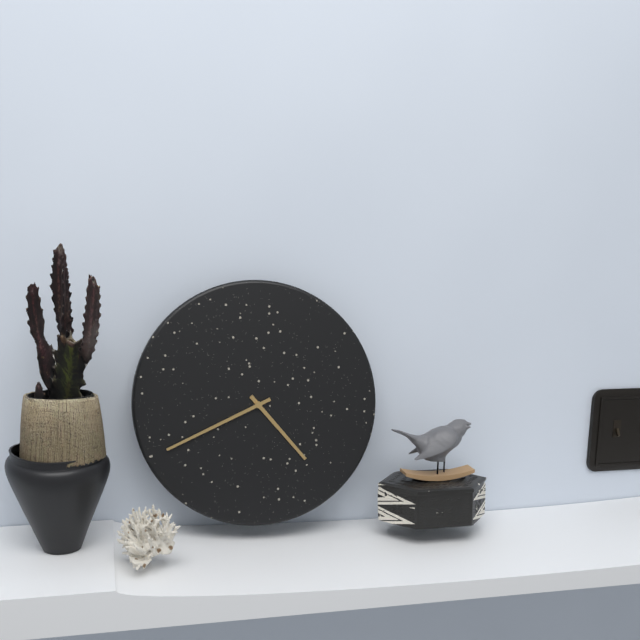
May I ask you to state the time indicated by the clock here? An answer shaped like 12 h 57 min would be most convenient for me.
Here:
4 h 41 min
